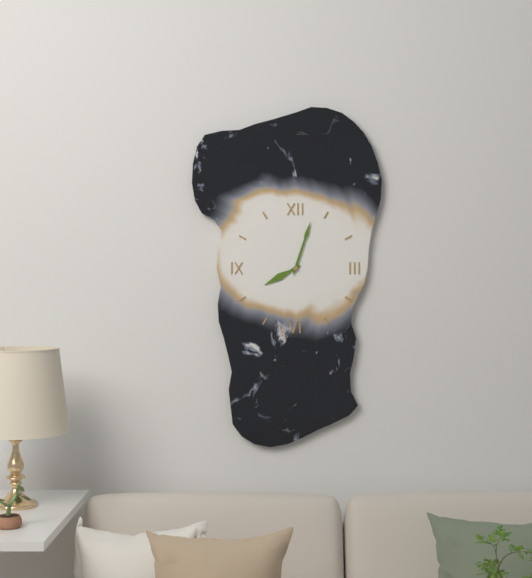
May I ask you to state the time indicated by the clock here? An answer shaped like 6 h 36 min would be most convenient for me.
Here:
8 h 03 min
